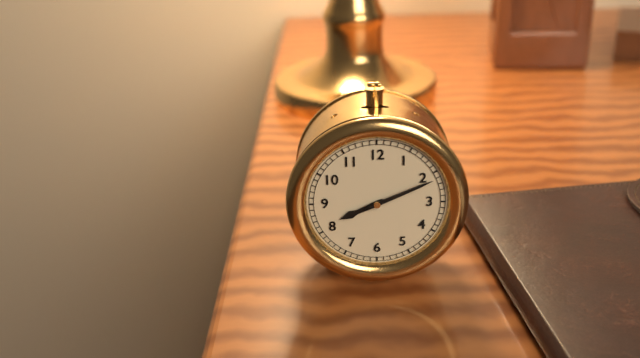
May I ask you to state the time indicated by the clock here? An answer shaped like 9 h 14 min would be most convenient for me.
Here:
8 h 11 min
